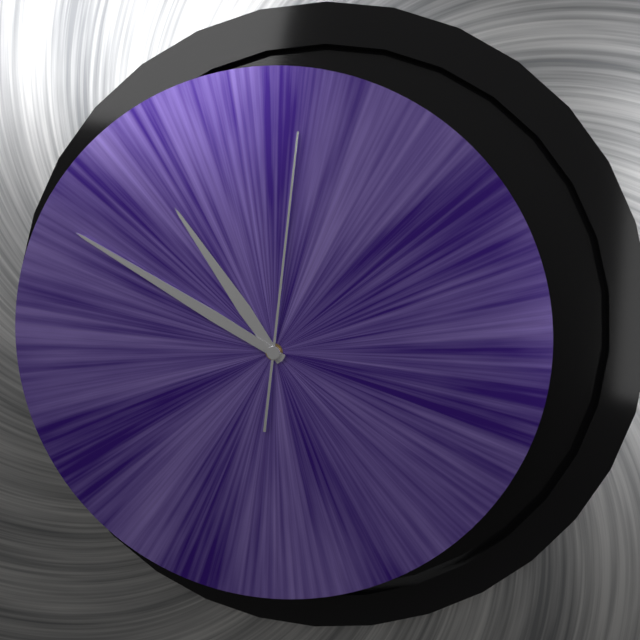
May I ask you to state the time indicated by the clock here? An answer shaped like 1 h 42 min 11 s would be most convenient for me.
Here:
10 h 50 min 01 s
